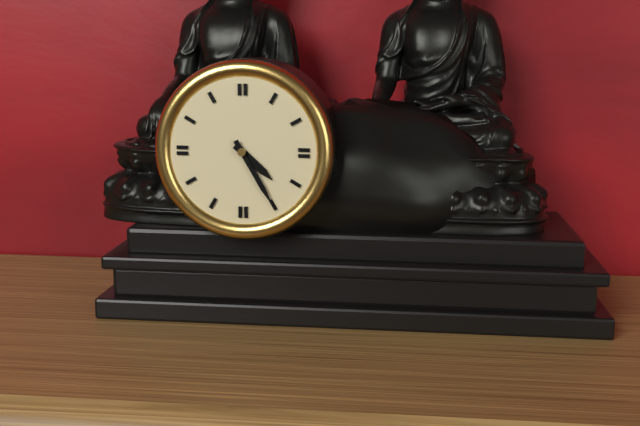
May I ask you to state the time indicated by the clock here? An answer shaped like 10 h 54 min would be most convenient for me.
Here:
4 h 25 min
